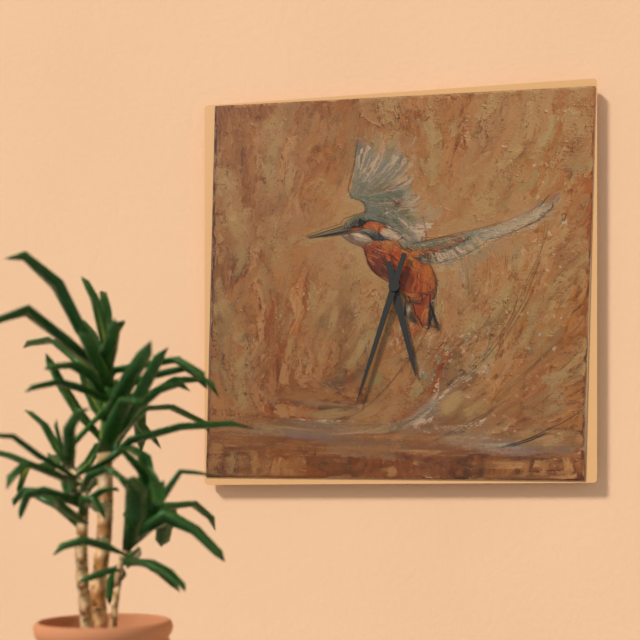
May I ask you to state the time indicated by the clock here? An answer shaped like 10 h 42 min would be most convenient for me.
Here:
5 h 33 min
